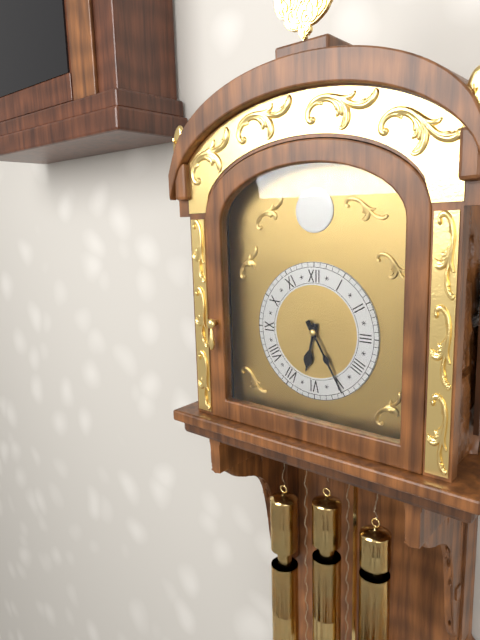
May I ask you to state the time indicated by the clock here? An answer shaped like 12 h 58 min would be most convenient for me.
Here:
6 h 25 min
